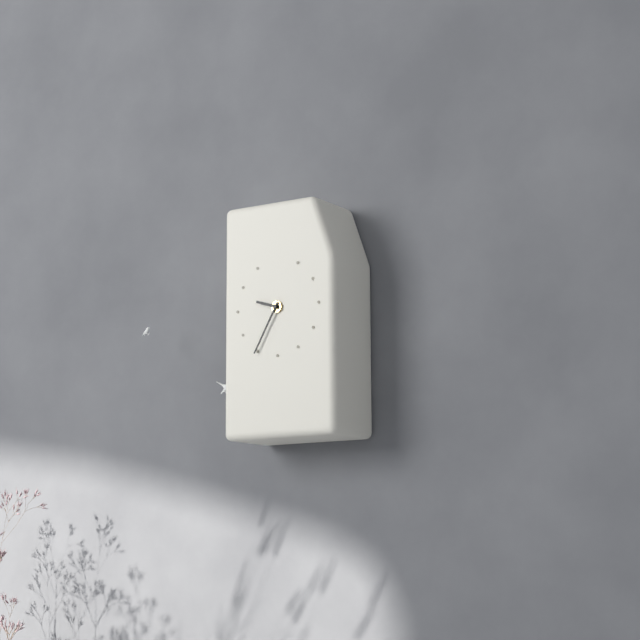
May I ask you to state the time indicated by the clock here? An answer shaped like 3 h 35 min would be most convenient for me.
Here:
9 h 35 min
